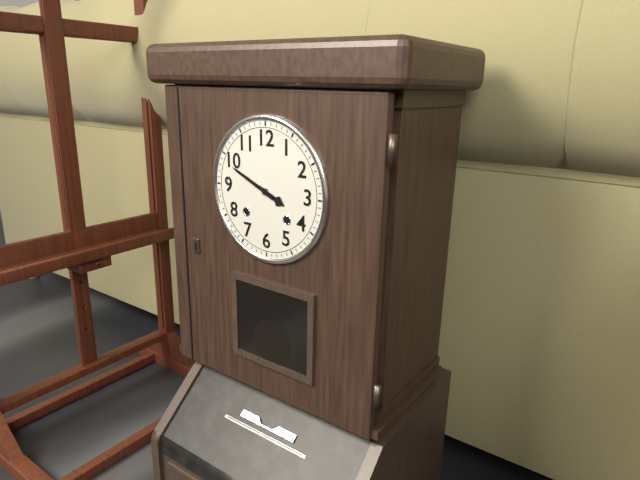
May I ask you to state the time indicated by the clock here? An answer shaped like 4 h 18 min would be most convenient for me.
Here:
3 h 49 min
